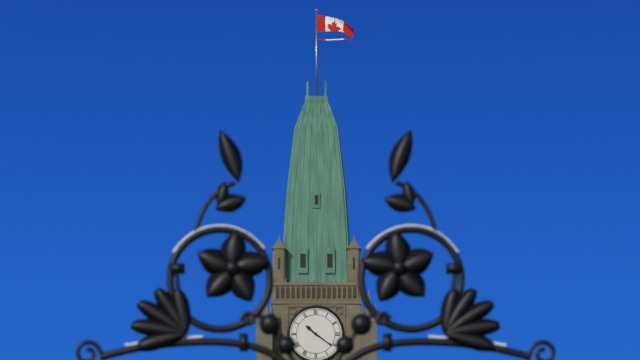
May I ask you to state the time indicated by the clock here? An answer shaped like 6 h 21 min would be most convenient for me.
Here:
10 h 21 min
